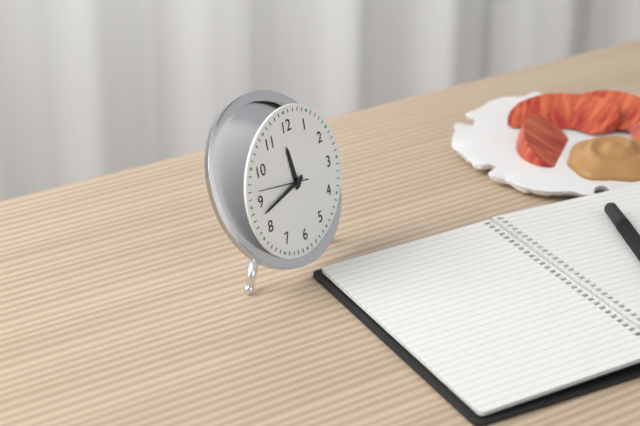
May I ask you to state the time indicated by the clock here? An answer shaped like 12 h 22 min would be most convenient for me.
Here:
11 h 43 min
